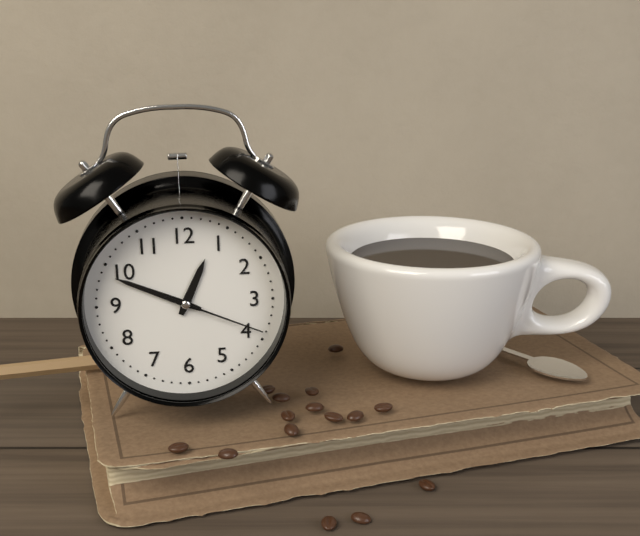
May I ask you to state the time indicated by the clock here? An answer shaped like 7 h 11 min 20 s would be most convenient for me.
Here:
12 h 49 min 19 s
